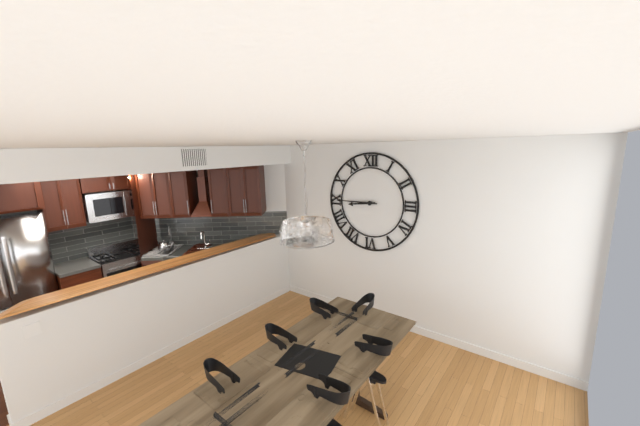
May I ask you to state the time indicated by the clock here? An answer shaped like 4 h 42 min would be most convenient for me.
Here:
8 h 45 min
